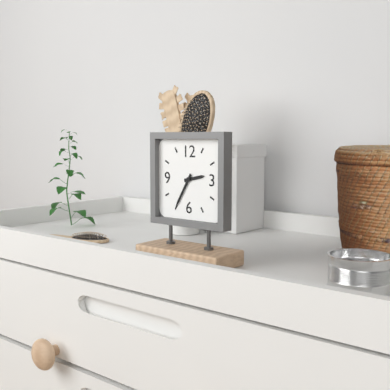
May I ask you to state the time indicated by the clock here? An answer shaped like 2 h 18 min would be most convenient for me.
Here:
2 h 35 min
